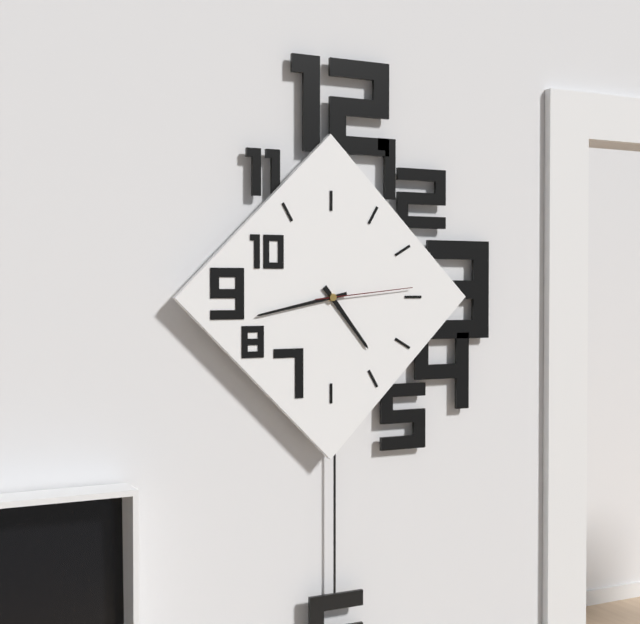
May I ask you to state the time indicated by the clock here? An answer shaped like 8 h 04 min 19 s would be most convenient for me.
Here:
4 h 43 min 14 s
